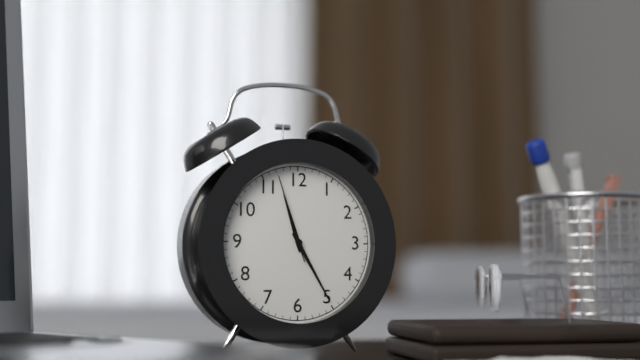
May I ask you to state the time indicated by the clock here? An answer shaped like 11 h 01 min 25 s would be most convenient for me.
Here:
11 h 25 min 57 s
